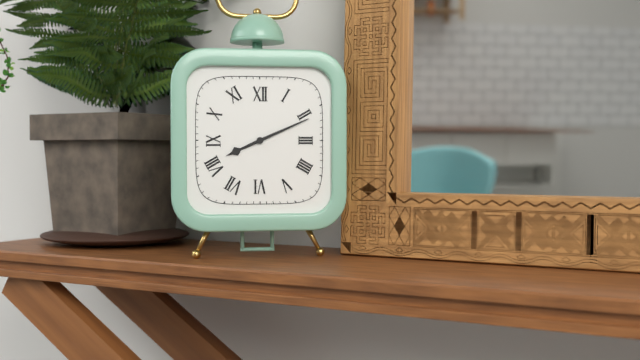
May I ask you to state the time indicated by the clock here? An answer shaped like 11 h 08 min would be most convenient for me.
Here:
8 h 11 min
